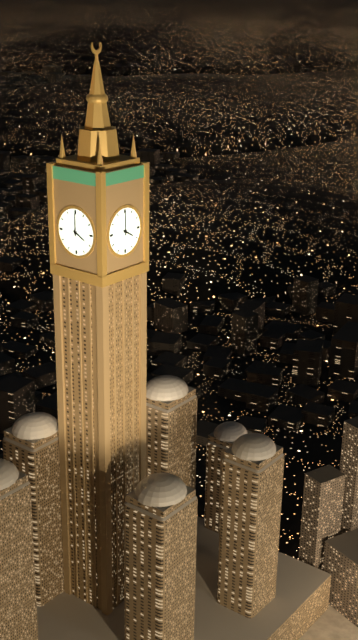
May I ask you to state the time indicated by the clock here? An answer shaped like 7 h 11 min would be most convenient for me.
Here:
4 h 00 min
